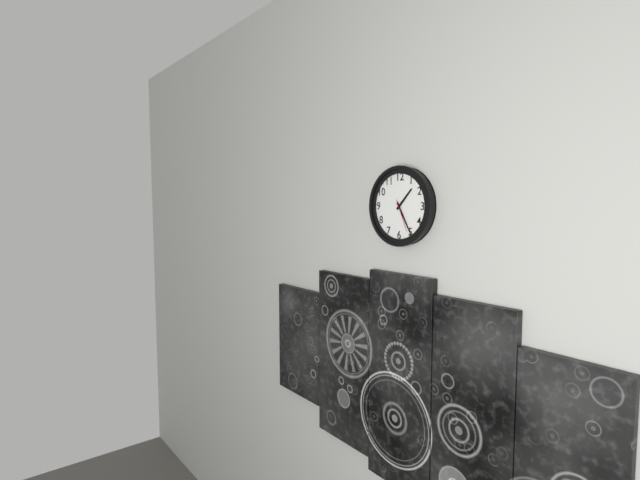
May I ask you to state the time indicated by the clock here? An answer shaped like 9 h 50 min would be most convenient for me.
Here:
1 h 25 min
